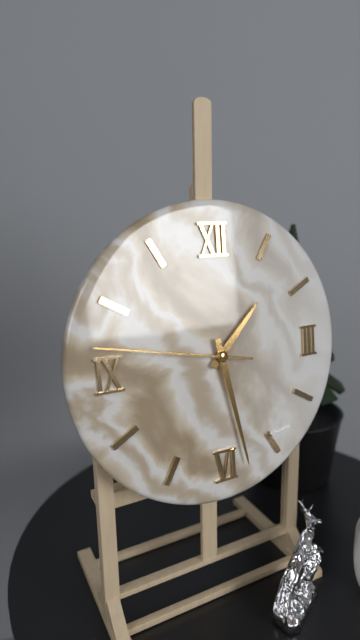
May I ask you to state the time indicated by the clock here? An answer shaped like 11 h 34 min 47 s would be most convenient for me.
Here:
1 h 28 min 47 s
